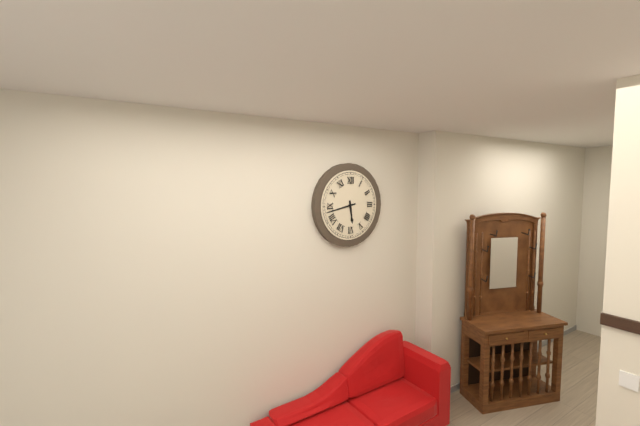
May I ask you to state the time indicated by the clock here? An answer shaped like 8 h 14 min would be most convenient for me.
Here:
5 h 43 min
